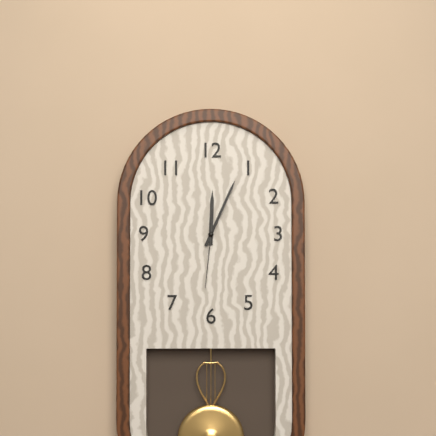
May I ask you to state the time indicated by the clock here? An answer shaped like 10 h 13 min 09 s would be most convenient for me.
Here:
12 h 04 min 31 s
